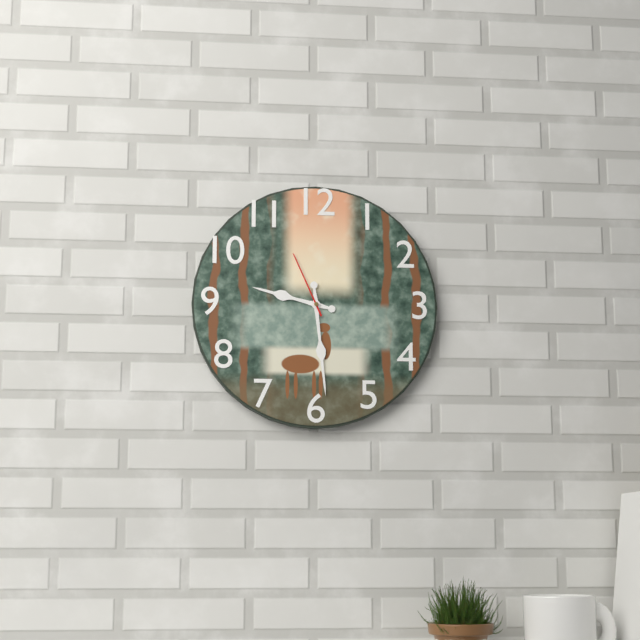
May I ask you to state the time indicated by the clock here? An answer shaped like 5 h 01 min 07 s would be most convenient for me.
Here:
9 h 29 min 56 s
